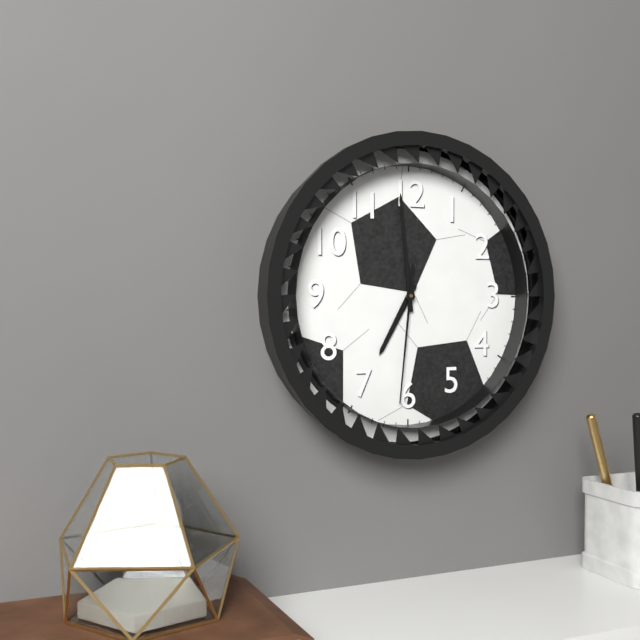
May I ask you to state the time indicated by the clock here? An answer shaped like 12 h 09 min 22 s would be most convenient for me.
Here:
6 h 59 min 31 s
